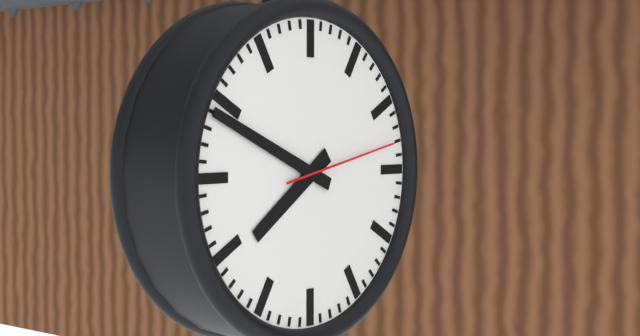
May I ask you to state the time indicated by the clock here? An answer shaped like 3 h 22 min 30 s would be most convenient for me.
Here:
7 h 49 min 13 s
